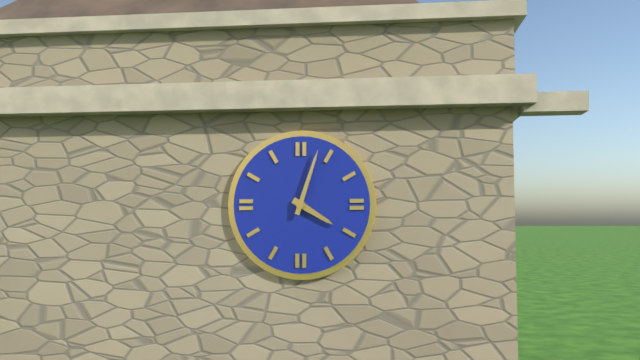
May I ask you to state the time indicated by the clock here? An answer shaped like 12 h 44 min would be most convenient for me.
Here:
4 h 03 min
